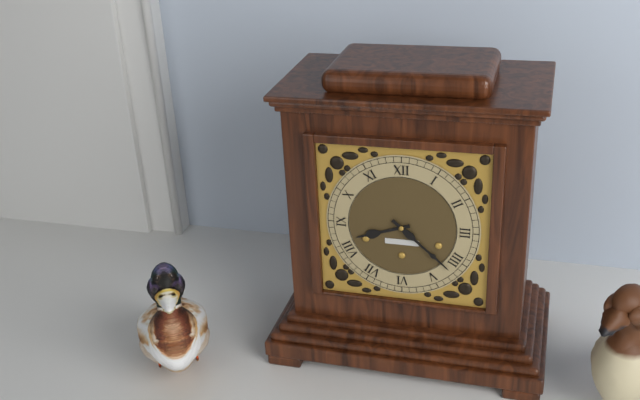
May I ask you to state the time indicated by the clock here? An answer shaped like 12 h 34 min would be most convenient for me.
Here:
8 h 22 min
